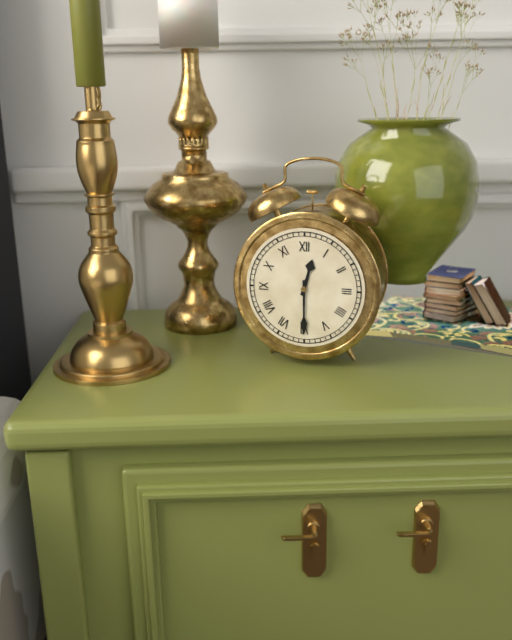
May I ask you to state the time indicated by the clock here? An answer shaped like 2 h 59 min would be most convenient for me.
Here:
12 h 30 min
